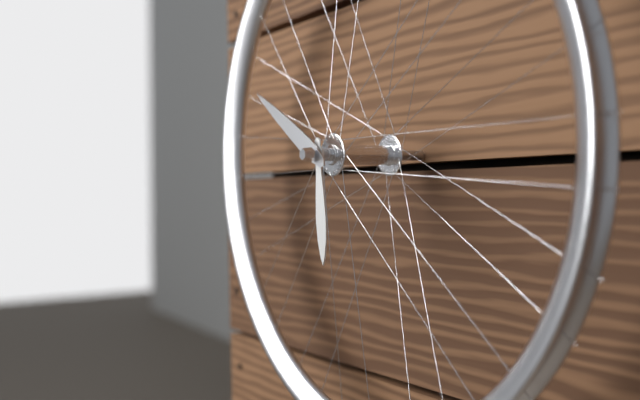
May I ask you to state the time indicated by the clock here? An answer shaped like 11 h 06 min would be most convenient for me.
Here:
5 h 50 min
